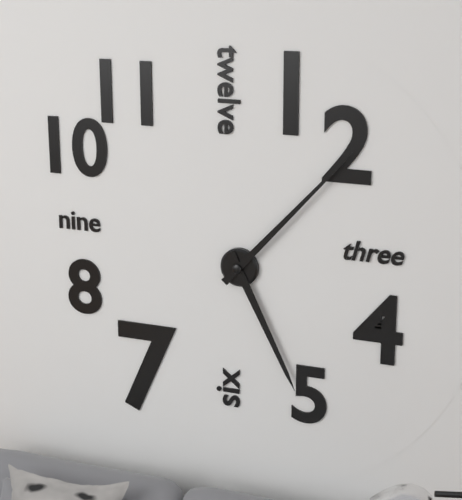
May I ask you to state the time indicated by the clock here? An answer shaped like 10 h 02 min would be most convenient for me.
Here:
5 h 07 min
